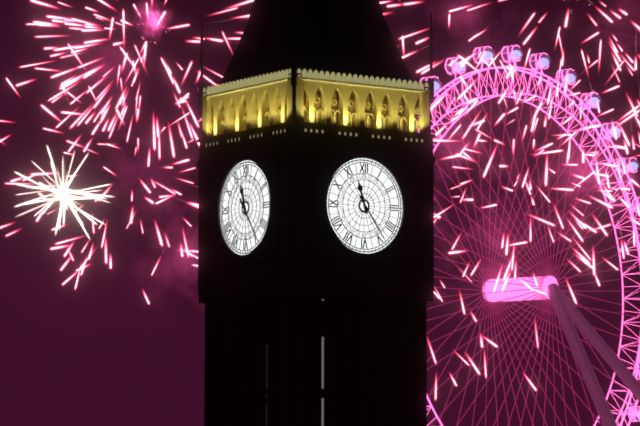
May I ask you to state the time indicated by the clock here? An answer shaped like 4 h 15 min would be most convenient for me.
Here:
11 h 24 min
